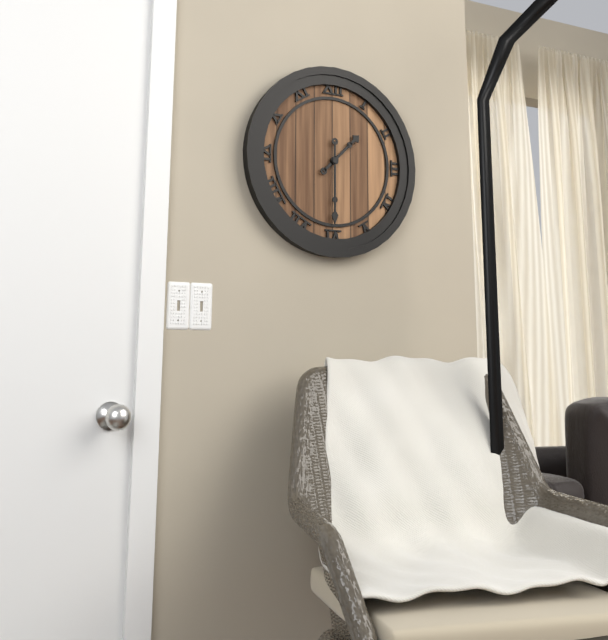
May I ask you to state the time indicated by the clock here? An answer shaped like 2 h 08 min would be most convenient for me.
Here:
1 h 30 min
